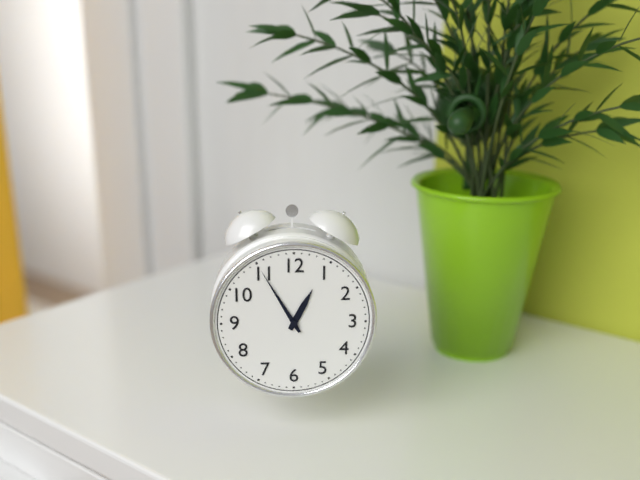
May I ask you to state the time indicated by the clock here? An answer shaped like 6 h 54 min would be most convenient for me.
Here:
12 h 55 min
